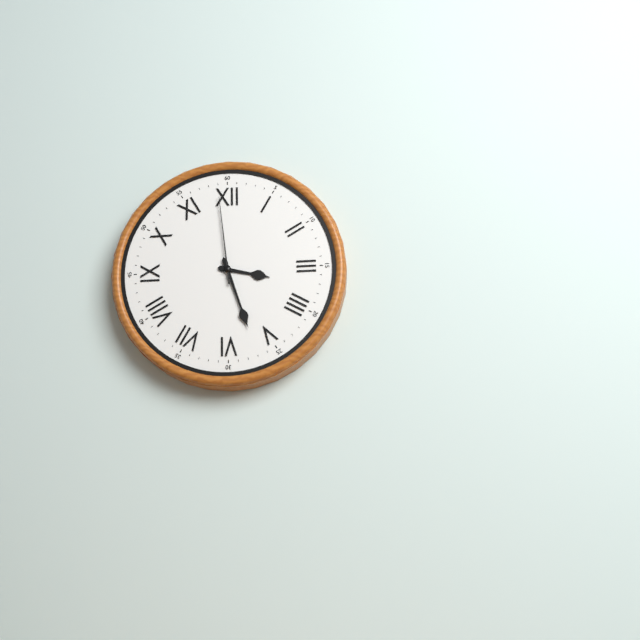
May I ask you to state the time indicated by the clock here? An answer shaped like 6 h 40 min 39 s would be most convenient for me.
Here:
3 h 27 min 59 s
